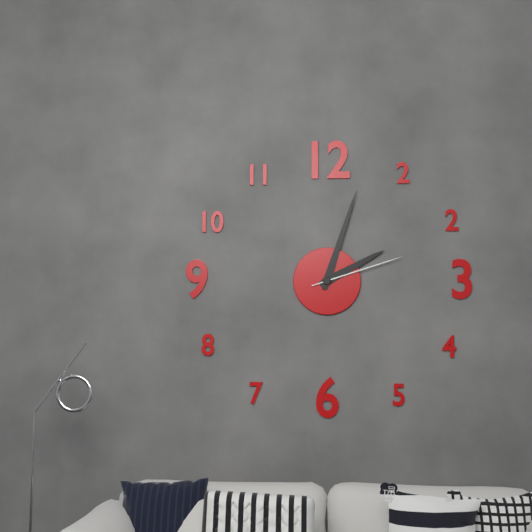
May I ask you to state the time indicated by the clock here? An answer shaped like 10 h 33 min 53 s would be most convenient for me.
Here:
2 h 03 min 12 s
